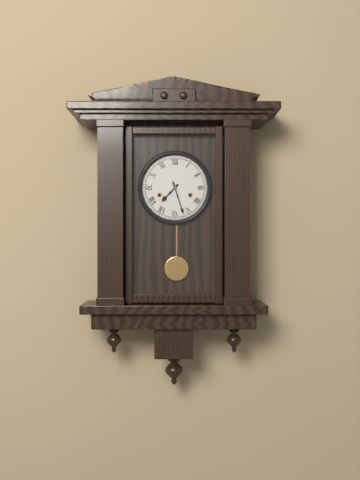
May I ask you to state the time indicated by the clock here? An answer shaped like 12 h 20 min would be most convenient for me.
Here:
7 h 27 min
